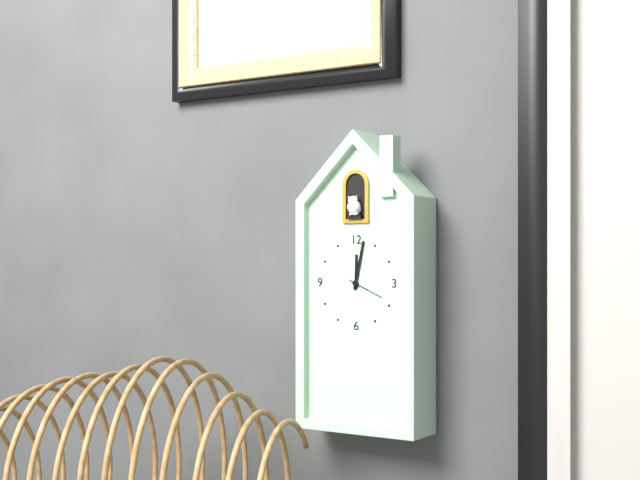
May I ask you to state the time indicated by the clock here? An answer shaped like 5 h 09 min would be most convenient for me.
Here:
12 h 02 min
